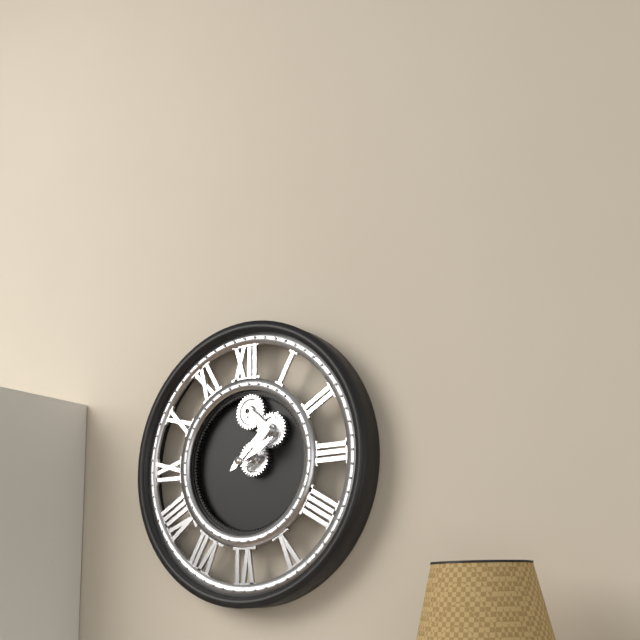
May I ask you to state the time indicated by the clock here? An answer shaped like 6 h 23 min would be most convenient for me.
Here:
2 h 08 min
